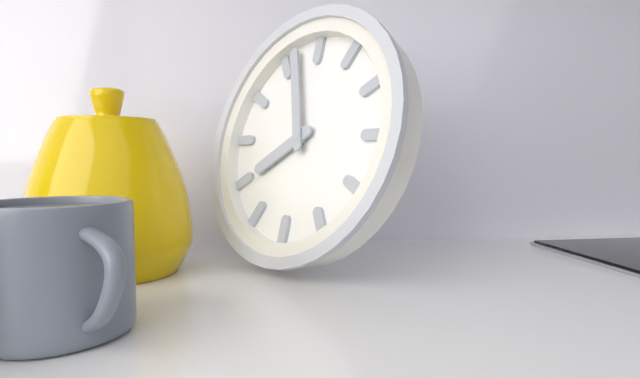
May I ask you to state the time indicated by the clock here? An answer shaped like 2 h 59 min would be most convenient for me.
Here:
7 h 57 min
